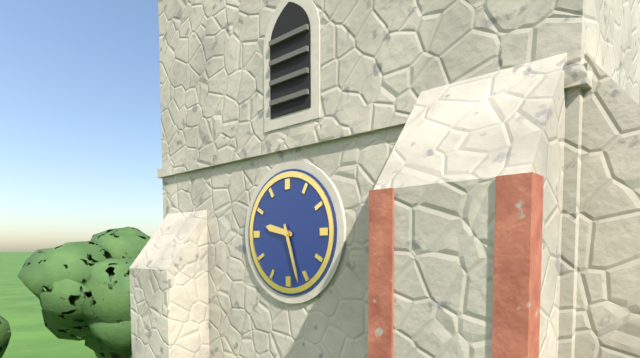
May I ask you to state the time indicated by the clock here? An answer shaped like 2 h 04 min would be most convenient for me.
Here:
9 h 27 min
